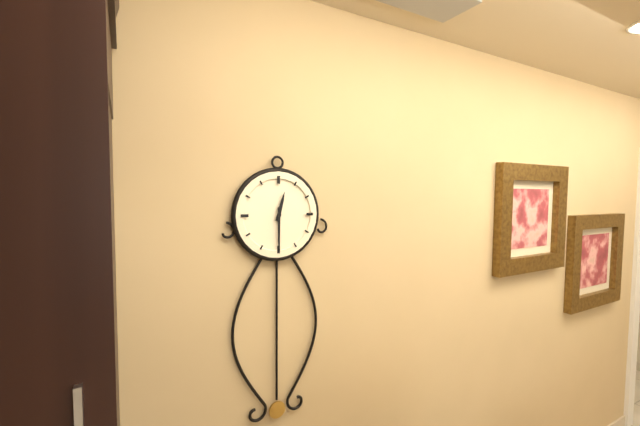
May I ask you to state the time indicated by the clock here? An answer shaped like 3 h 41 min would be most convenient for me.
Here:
12 h 30 min
